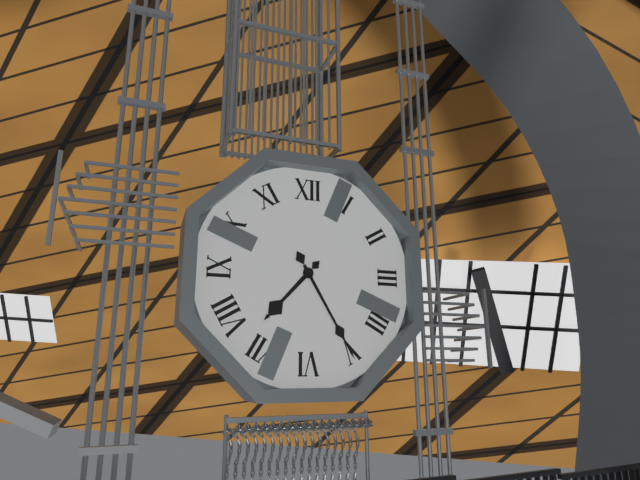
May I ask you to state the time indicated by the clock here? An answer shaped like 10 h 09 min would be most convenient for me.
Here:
7 h 25 min
